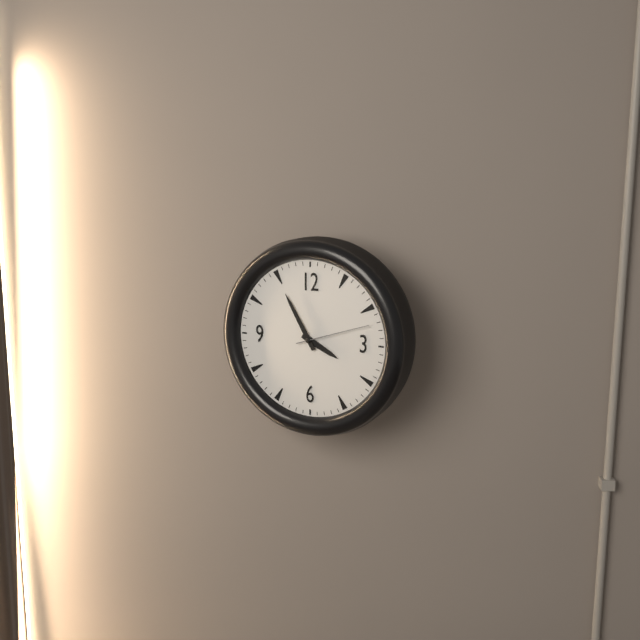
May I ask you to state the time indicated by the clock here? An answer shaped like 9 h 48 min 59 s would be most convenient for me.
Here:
3 h 55 min 12 s
